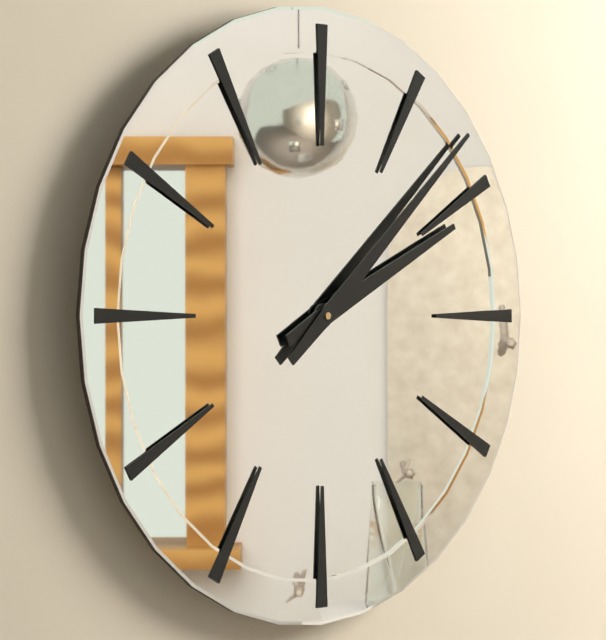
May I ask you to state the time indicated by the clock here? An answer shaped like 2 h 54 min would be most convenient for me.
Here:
2 h 08 min
